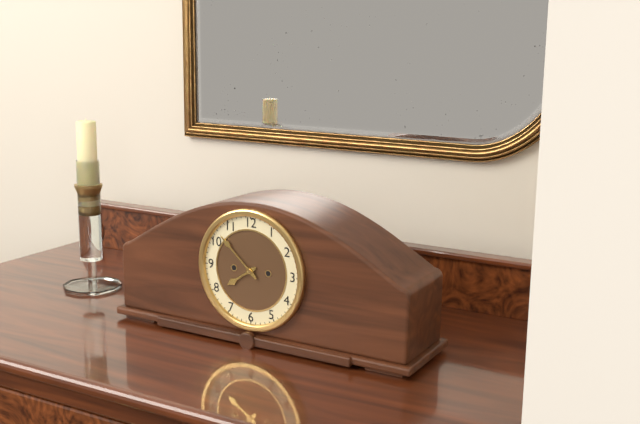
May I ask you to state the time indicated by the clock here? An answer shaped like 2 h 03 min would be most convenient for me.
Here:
7 h 52 min
